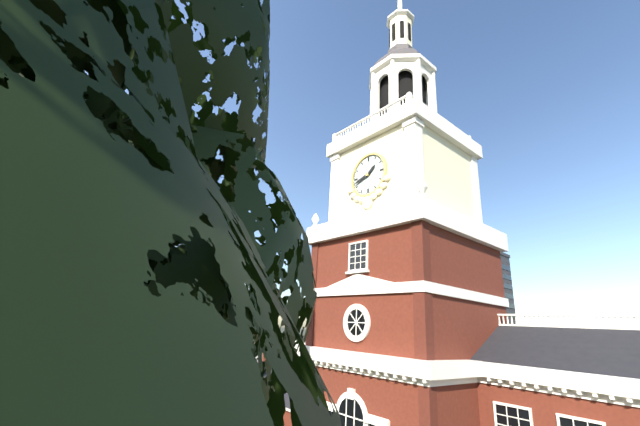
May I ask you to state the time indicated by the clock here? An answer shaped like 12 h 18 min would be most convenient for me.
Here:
1 h 42 min
